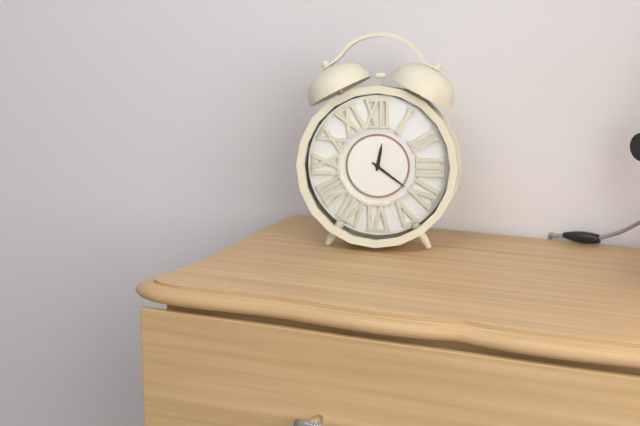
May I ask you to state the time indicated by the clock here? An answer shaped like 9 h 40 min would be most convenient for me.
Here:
12 h 21 min
